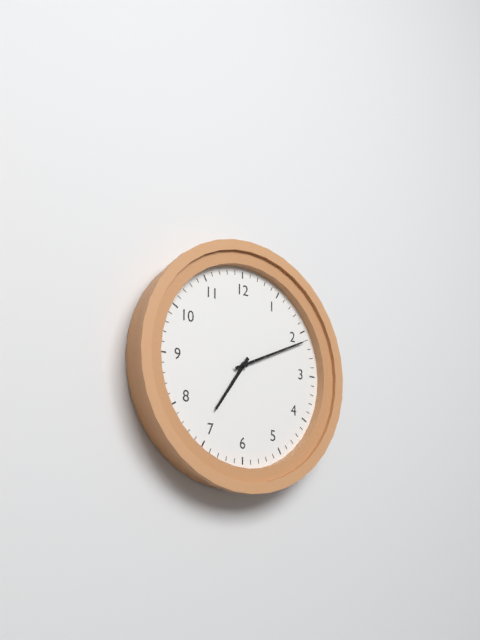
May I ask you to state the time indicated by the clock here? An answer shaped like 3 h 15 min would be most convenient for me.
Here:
7 h 11 min
